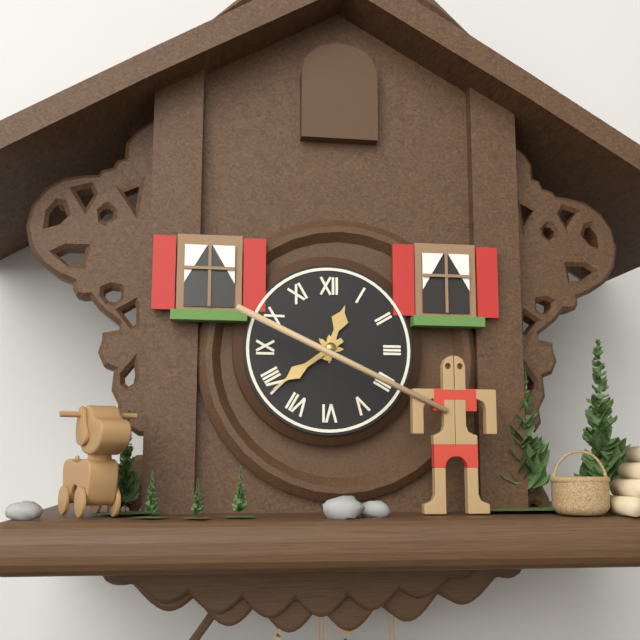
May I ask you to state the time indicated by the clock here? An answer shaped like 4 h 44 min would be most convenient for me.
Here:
12 h 39 min
